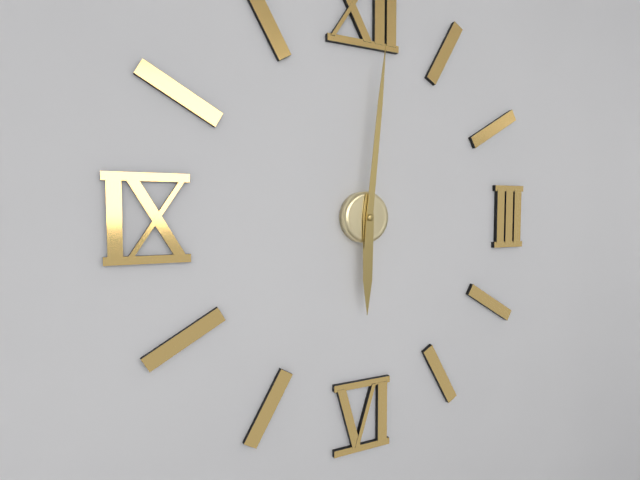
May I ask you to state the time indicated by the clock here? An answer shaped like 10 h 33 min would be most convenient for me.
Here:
6 h 01 min
